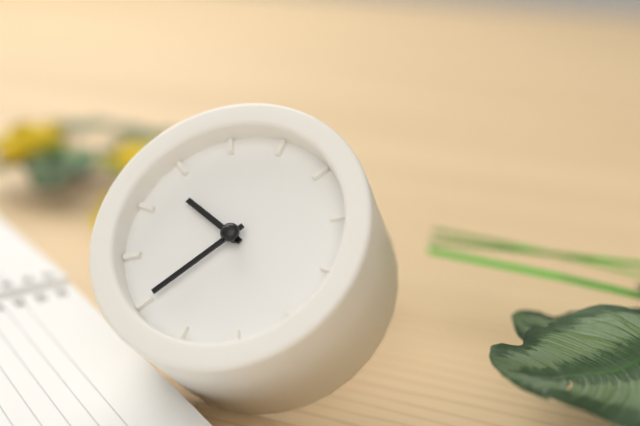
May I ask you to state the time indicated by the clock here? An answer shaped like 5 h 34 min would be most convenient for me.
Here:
9 h 35 min
